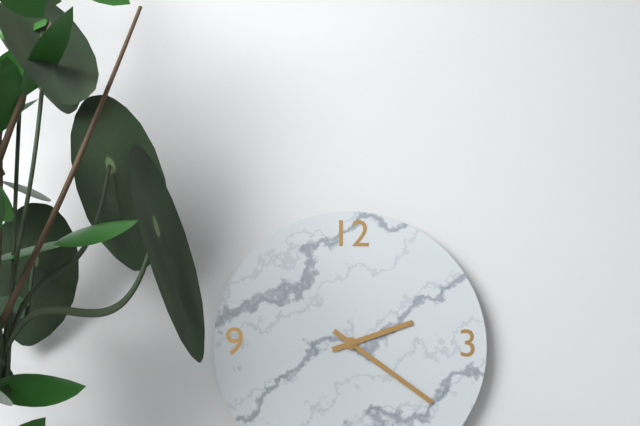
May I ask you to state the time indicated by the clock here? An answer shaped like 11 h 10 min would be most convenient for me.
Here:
2 h 21 min
